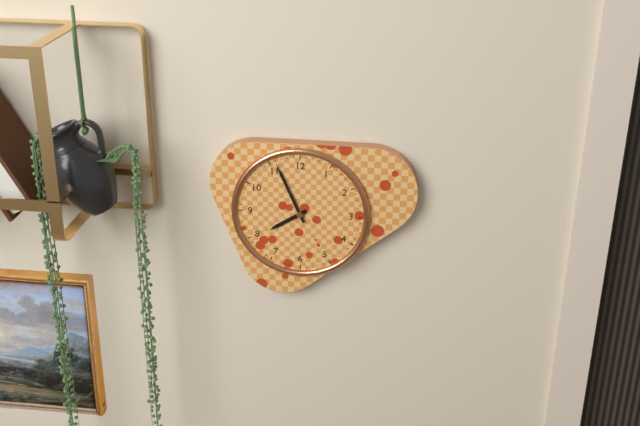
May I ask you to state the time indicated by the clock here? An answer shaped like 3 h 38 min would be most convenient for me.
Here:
7 h 56 min
